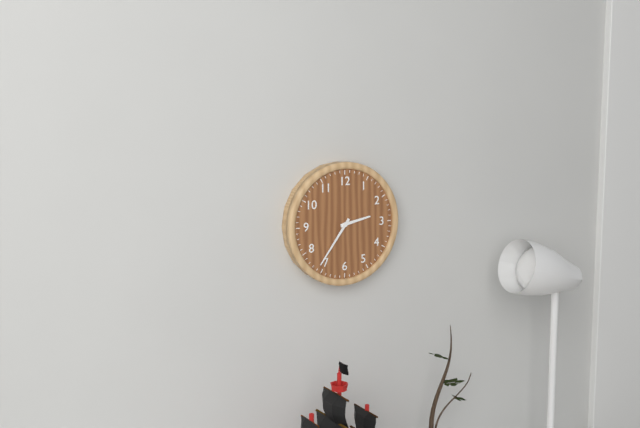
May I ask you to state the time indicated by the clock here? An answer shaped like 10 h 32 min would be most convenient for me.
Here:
2 h 36 min
